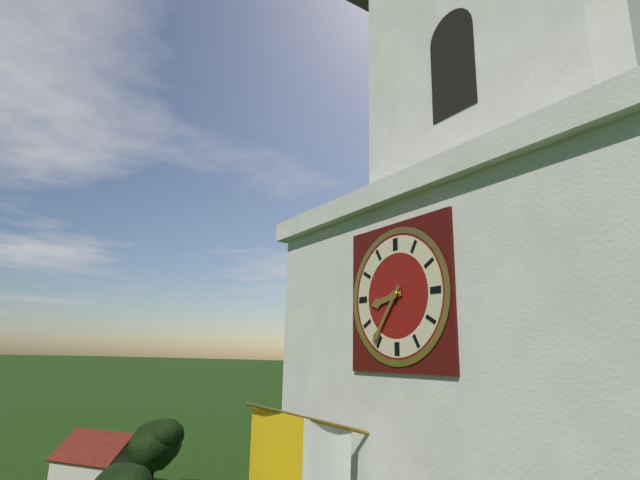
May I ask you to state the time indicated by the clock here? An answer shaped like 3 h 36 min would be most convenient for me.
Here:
8 h 36 min
